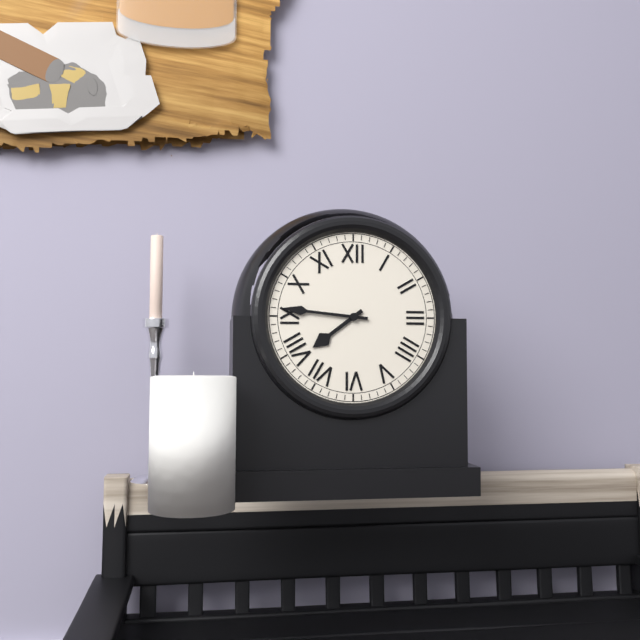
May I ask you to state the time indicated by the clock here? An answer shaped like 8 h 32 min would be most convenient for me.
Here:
7 h 46 min
